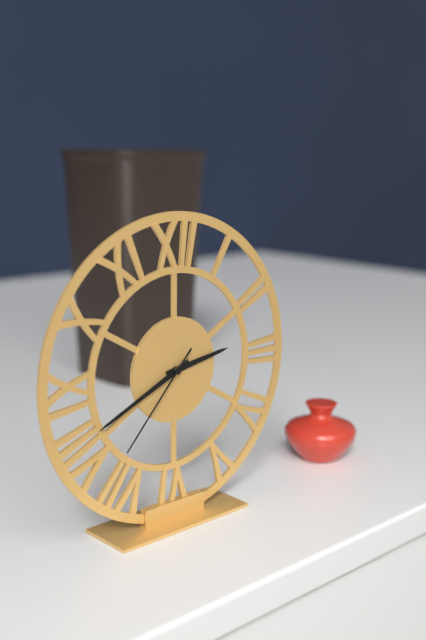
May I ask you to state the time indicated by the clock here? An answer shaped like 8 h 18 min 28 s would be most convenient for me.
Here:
2 h 41 min 37 s
